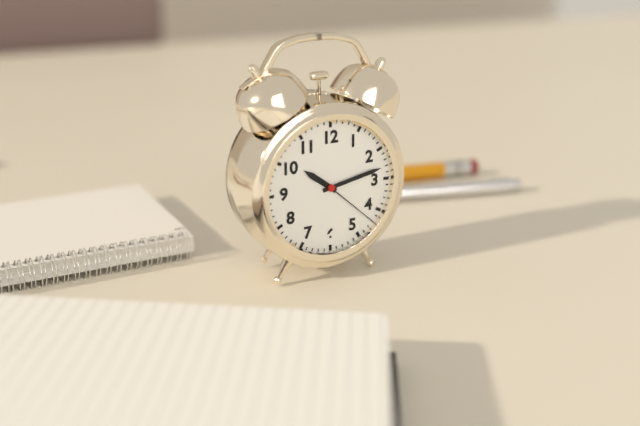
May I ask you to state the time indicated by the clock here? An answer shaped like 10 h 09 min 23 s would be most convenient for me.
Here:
10 h 13 min 22 s
